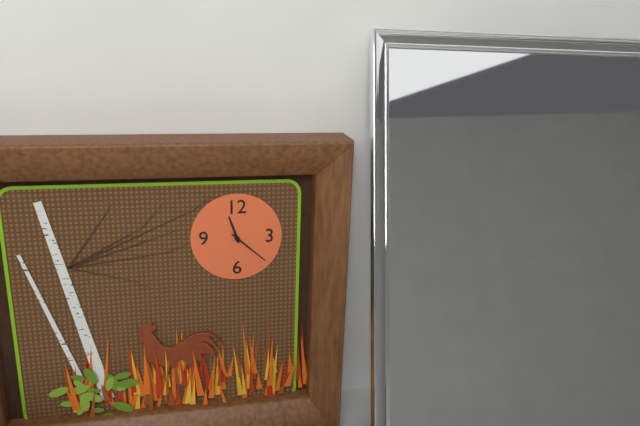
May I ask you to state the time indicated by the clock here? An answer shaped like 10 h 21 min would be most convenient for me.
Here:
11 h 22 min
